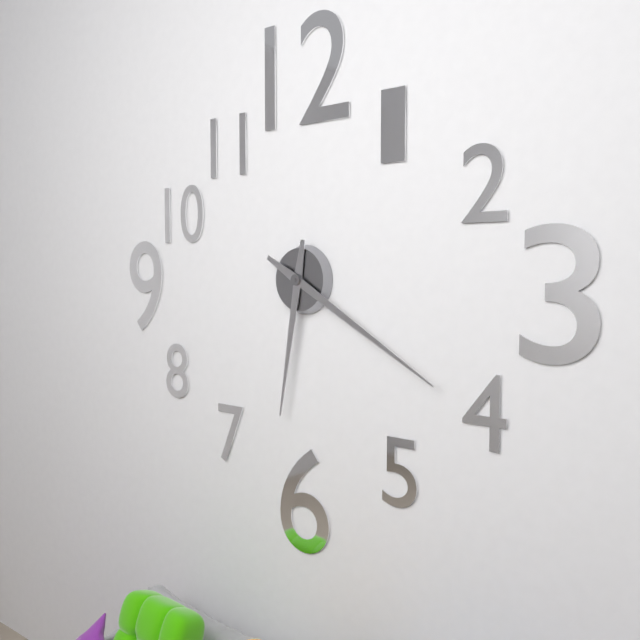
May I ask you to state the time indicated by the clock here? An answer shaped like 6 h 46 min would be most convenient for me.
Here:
6 h 20 min
